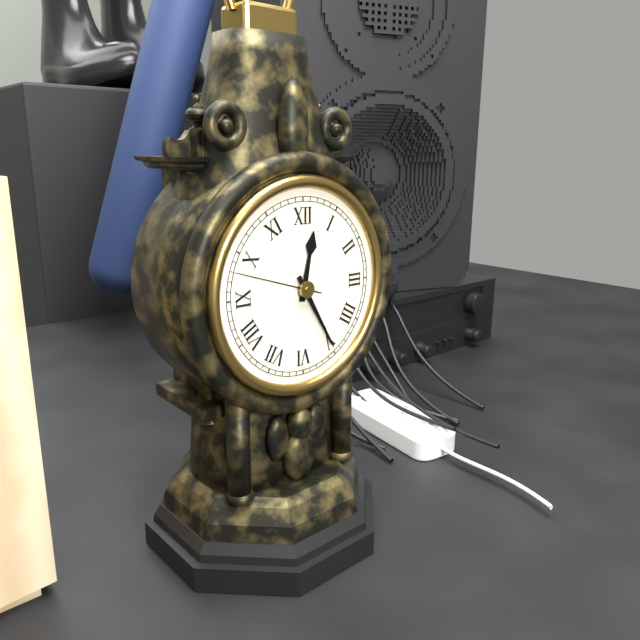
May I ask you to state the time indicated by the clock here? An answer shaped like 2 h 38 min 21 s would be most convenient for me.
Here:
12 h 25 min 48 s
